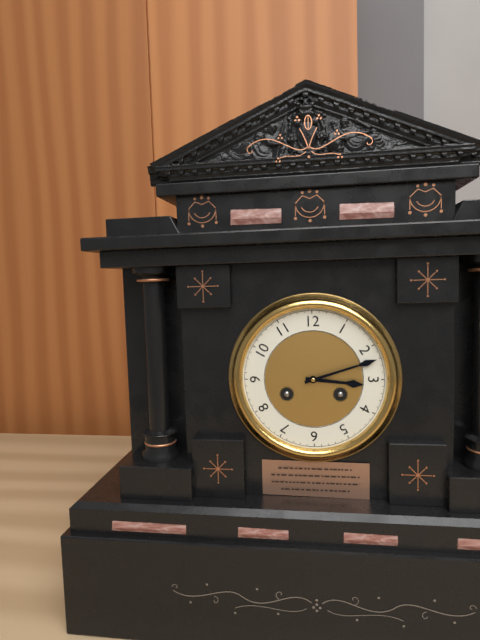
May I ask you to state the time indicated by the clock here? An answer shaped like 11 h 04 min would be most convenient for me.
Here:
3 h 12 min
